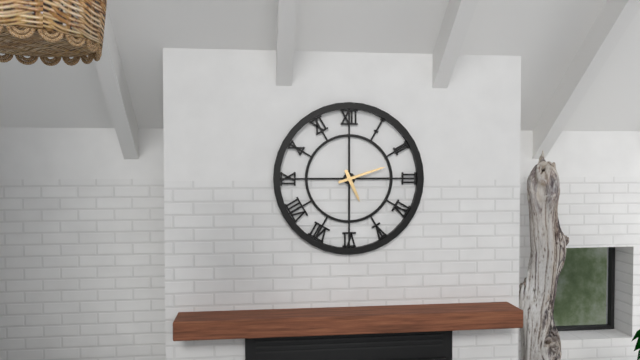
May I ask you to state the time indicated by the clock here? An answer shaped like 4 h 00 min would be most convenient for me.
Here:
5 h 12 min
